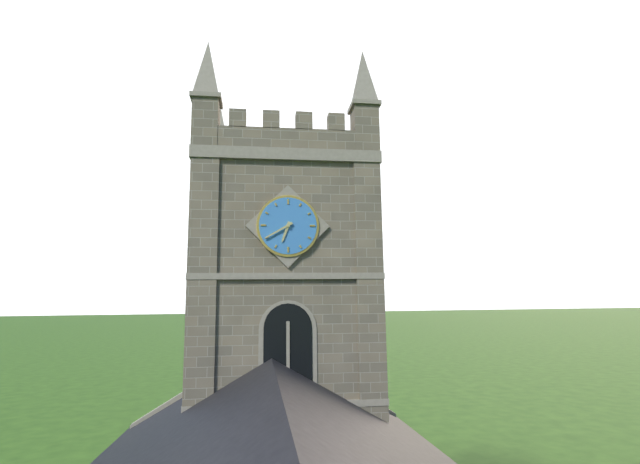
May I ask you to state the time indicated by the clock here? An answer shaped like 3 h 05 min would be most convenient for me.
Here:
6 h 40 min
